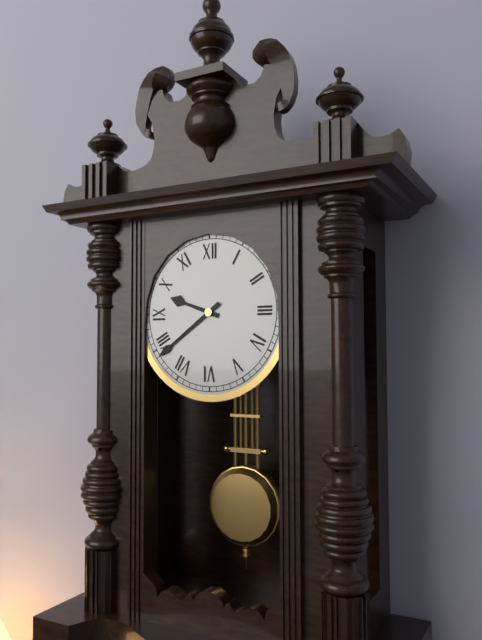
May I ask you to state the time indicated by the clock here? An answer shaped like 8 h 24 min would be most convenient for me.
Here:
9 h 39 min
